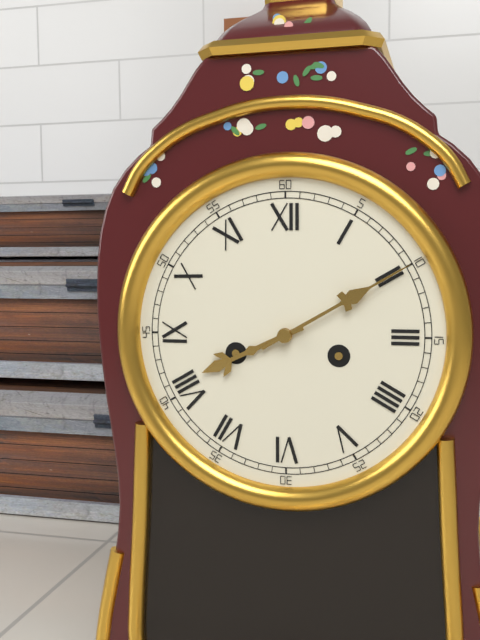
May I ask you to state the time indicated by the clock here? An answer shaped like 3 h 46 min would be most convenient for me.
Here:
8 h 10 min
